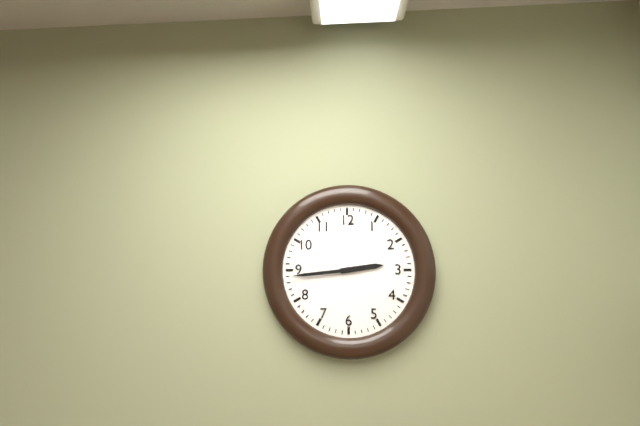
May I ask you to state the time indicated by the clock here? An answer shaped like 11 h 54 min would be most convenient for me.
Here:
2 h 44 min
